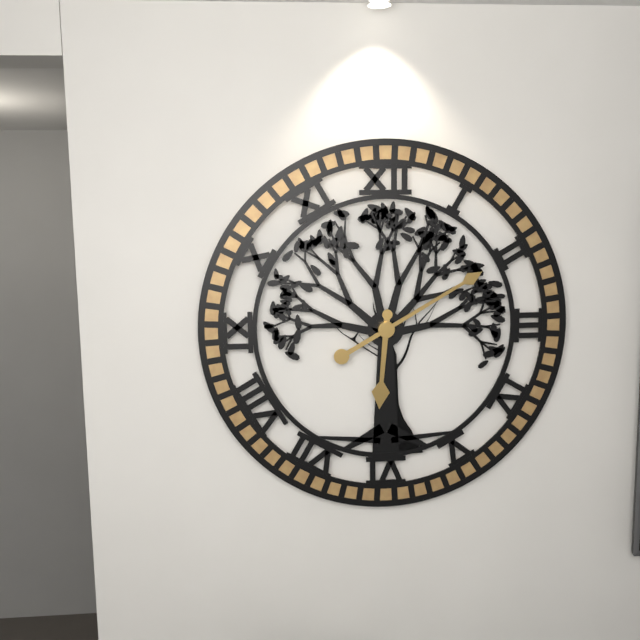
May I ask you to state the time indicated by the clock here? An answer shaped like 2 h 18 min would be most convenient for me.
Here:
6 h 10 min
